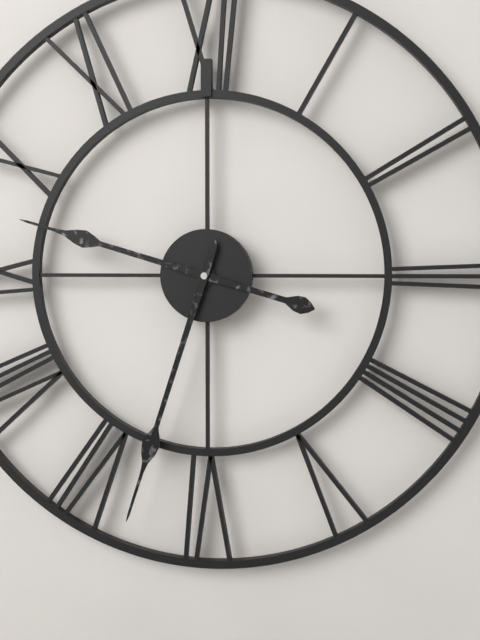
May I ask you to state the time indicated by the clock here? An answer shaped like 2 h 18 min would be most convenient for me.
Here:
9 h 33 min
